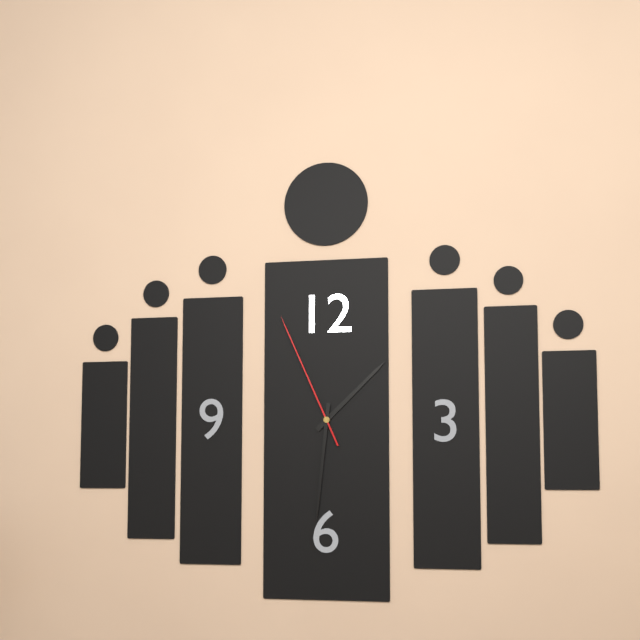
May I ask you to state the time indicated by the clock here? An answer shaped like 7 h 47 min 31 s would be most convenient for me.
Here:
1 h 31 min 56 s
